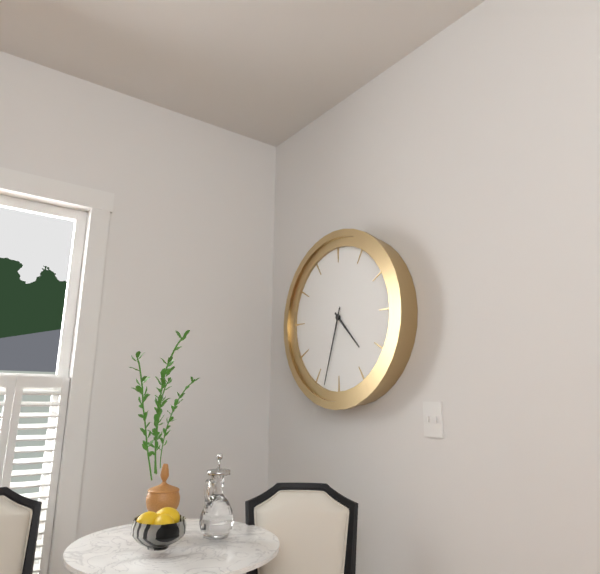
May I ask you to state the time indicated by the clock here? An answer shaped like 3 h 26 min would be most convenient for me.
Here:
4 h 33 min
